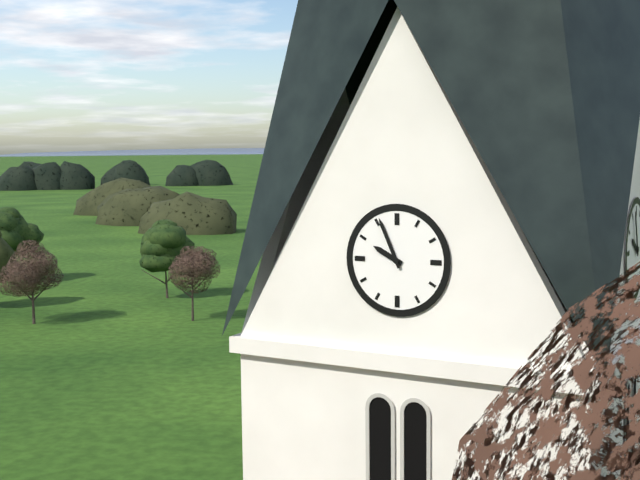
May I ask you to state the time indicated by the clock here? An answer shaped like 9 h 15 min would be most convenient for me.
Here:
9 h 56 min
